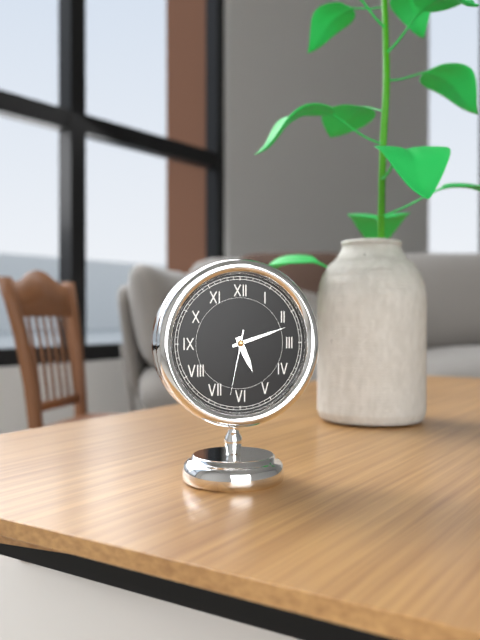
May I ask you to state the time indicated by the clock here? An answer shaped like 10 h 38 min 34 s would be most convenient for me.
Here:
5 h 12 min 32 s
